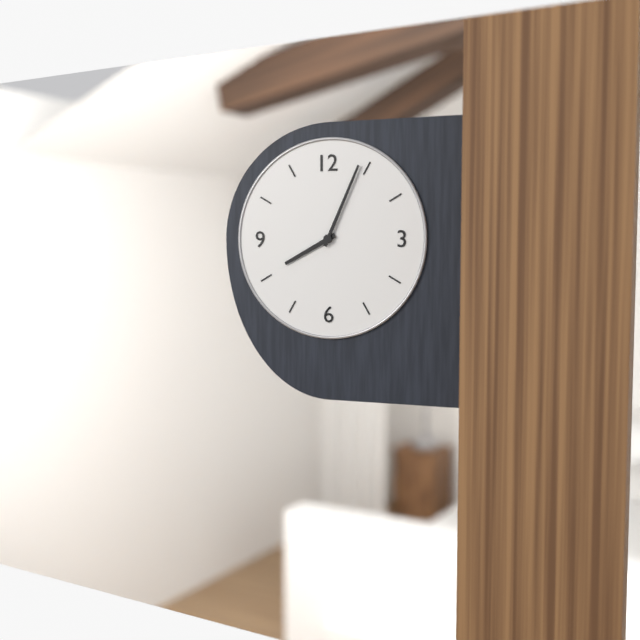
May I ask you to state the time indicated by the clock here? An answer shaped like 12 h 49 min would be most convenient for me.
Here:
8 h 04 min
